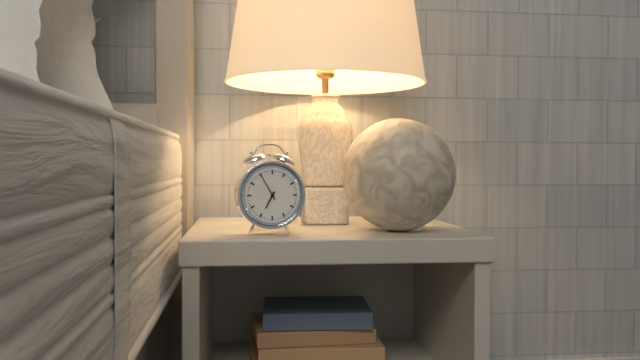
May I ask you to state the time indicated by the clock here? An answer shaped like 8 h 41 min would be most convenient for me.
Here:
6 h 55 min
